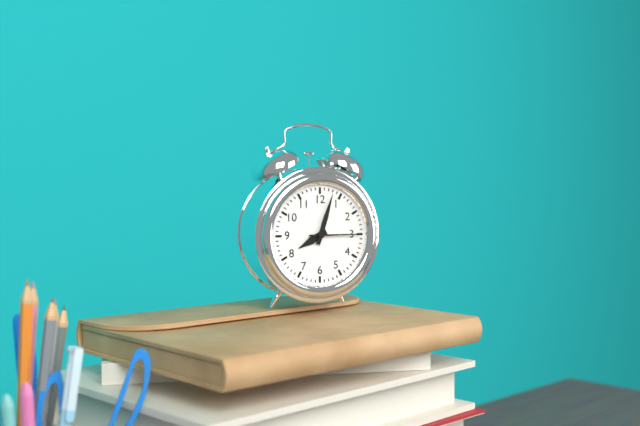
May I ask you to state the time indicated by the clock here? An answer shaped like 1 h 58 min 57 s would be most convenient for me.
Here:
8 h 03 min 15 s
